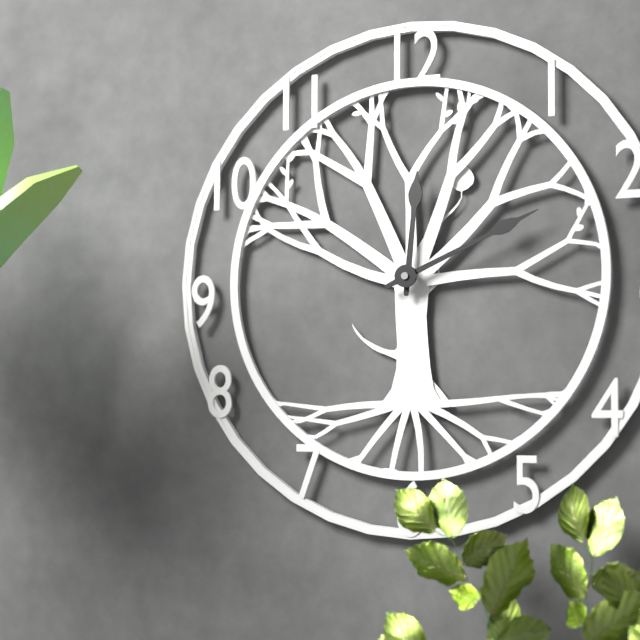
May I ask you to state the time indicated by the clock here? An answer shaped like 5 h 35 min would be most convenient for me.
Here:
12 h 11 min
